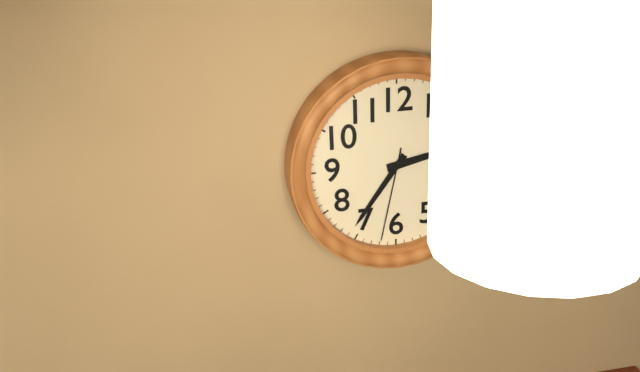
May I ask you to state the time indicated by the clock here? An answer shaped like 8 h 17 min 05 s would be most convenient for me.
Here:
2 h 36 min 32 s
